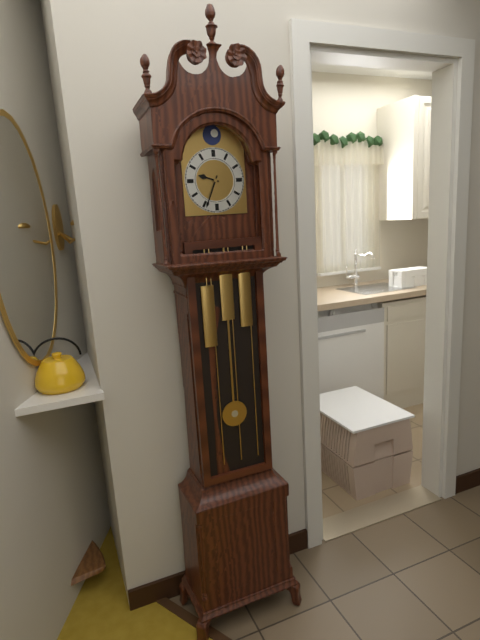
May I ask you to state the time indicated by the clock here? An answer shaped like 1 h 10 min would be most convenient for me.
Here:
9 h 34 min
